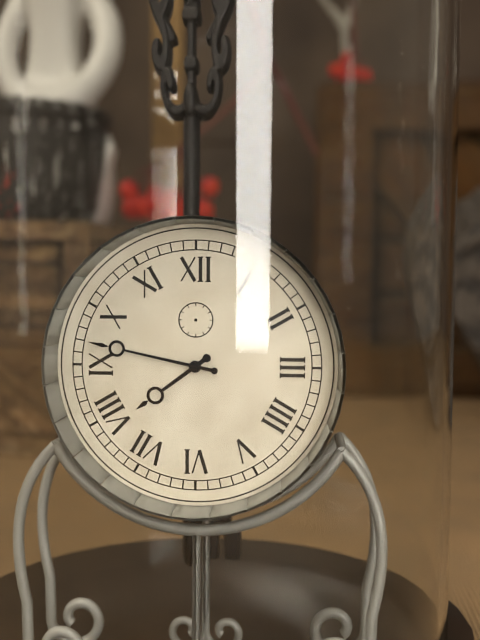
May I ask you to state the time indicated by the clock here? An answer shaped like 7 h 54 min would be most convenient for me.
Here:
7 h 47 min
